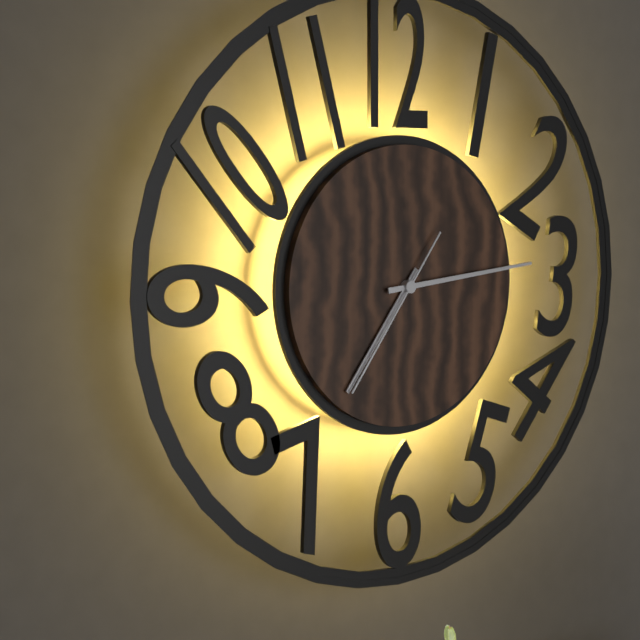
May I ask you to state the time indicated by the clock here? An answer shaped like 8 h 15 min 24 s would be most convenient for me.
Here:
7 h 14 min 36 s
